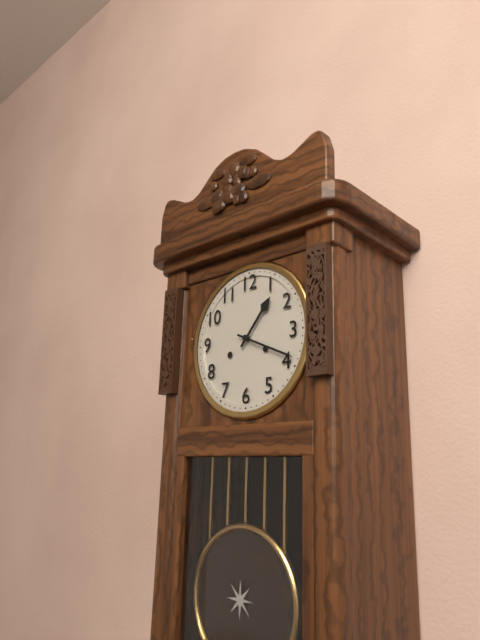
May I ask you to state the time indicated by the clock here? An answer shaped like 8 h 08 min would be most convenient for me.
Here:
1 h 19 min
